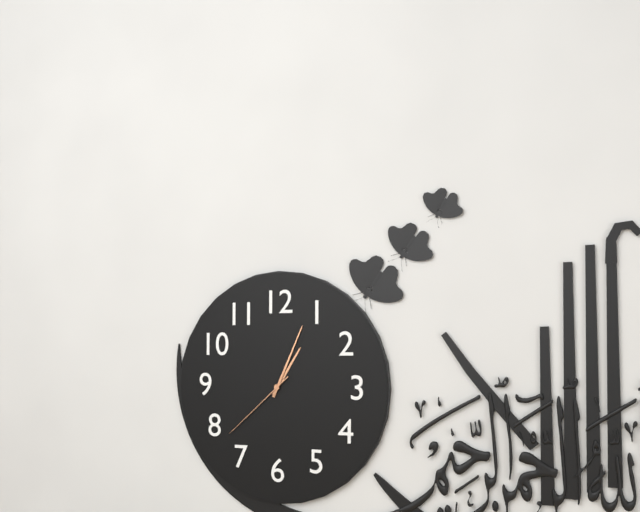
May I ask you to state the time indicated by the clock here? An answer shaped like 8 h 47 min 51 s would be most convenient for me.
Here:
1 h 04 min 38 s
